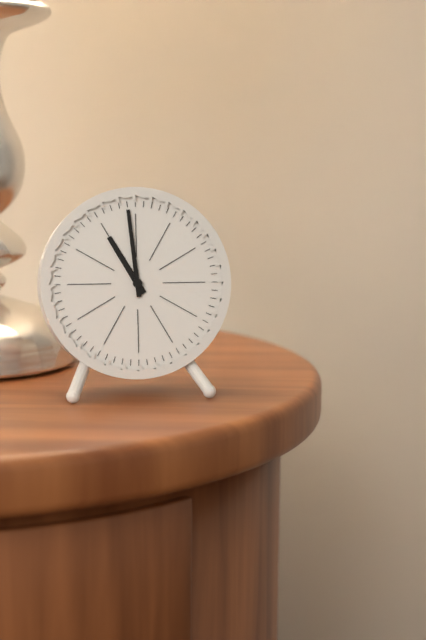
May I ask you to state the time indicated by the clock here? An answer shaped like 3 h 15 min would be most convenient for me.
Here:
10 h 59 min
